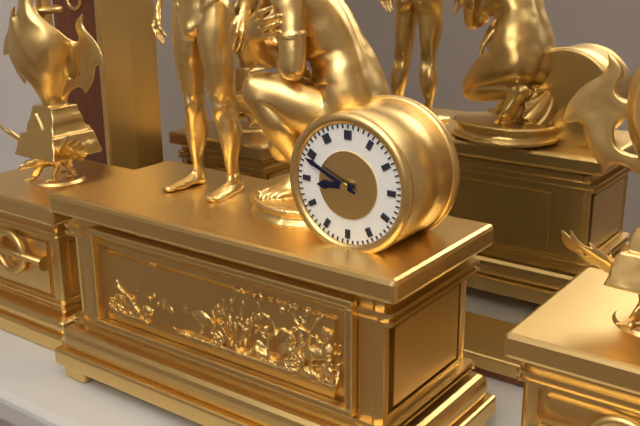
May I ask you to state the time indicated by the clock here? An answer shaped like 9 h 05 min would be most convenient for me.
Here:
8 h 49 min
